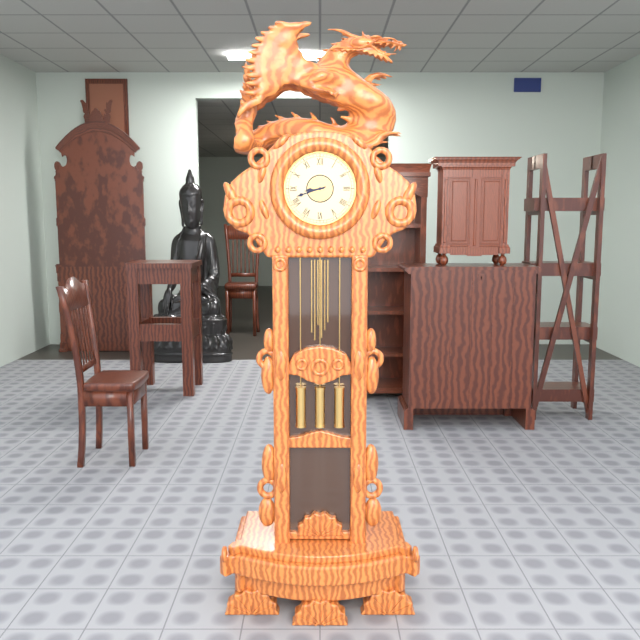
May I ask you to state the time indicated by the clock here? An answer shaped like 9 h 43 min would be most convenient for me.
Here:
8 h 42 min
